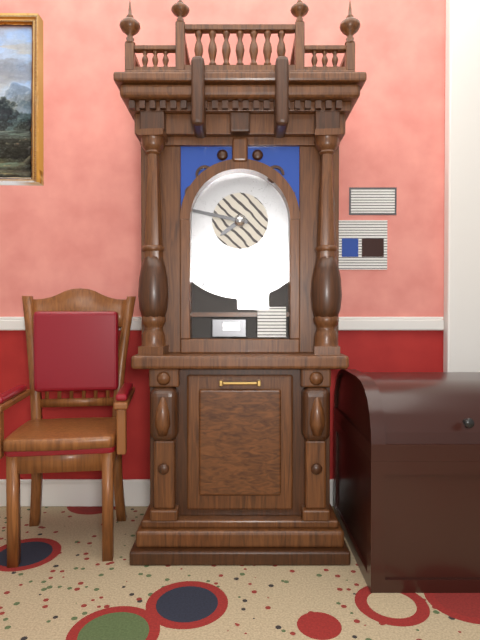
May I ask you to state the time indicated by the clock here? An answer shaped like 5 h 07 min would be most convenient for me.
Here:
7 h 47 min
